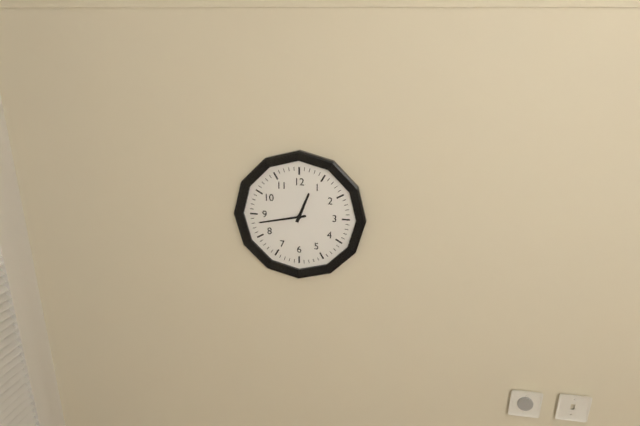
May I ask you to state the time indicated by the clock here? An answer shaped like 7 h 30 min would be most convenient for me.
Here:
12 h 43 min
